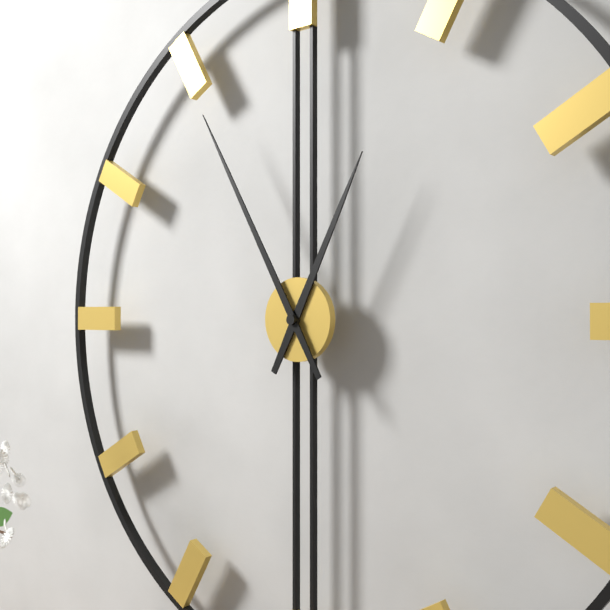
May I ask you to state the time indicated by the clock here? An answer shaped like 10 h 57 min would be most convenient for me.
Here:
12 h 55 min
